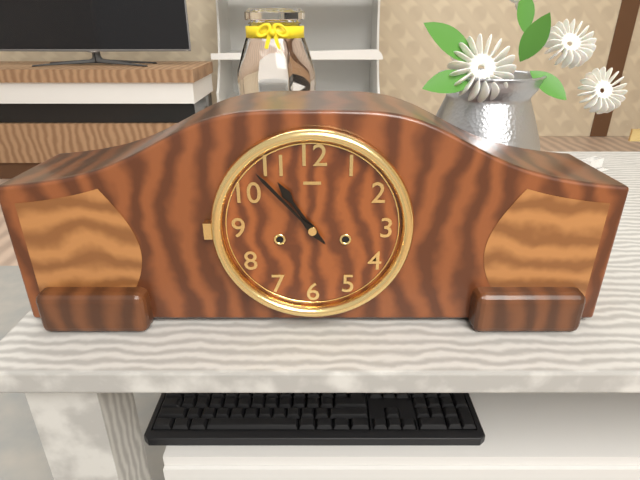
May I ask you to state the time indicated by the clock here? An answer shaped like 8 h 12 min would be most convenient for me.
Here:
10 h 53 min
